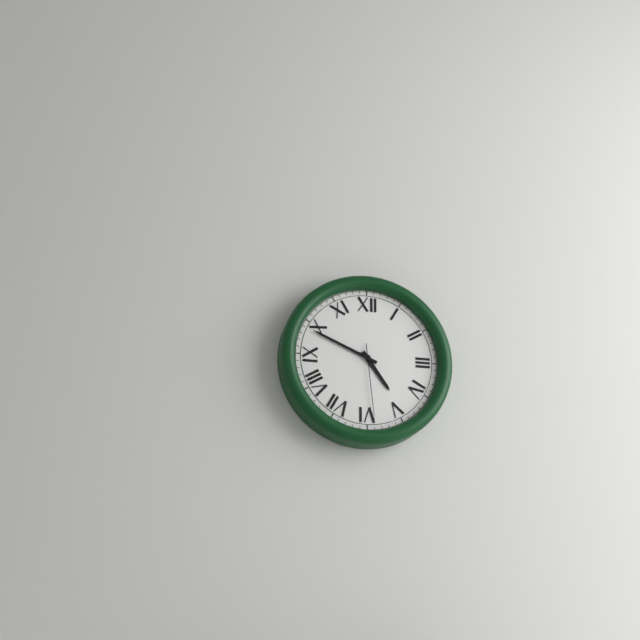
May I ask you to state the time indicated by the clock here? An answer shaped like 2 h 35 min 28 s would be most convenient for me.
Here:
4 h 49 min 29 s
